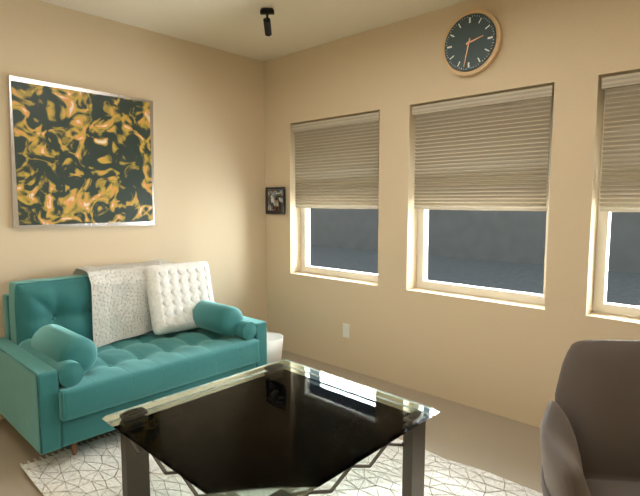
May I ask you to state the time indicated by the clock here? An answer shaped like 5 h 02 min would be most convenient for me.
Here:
2 h 32 min
